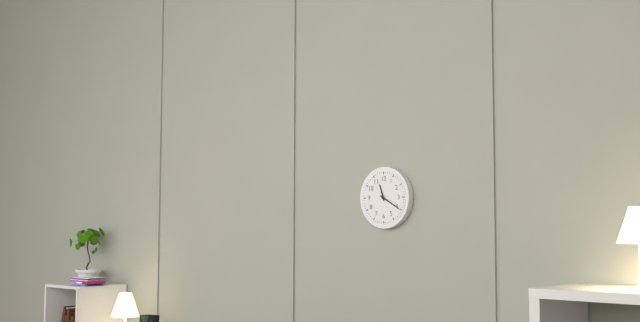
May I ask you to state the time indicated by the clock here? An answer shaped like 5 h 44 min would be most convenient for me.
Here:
11 h 20 min
